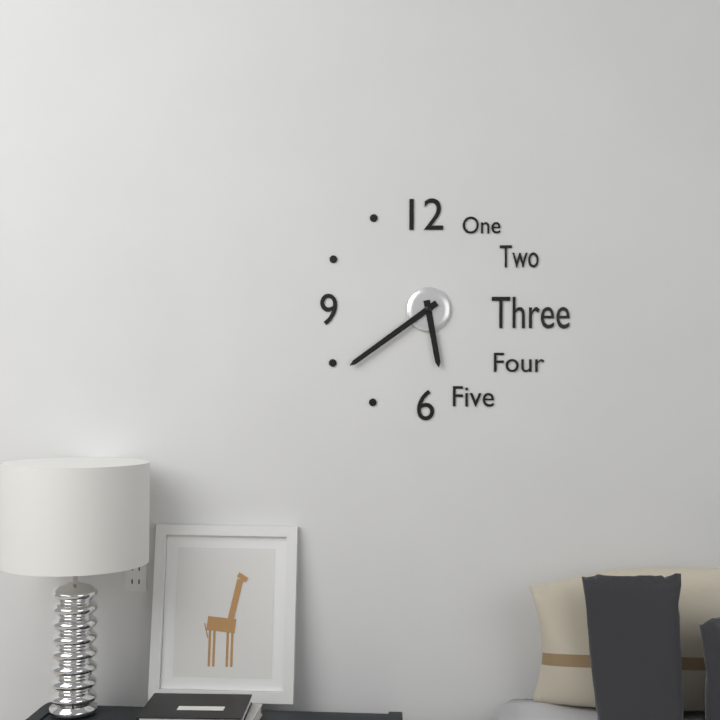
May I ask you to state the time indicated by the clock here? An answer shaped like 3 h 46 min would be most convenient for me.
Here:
5 h 39 min
